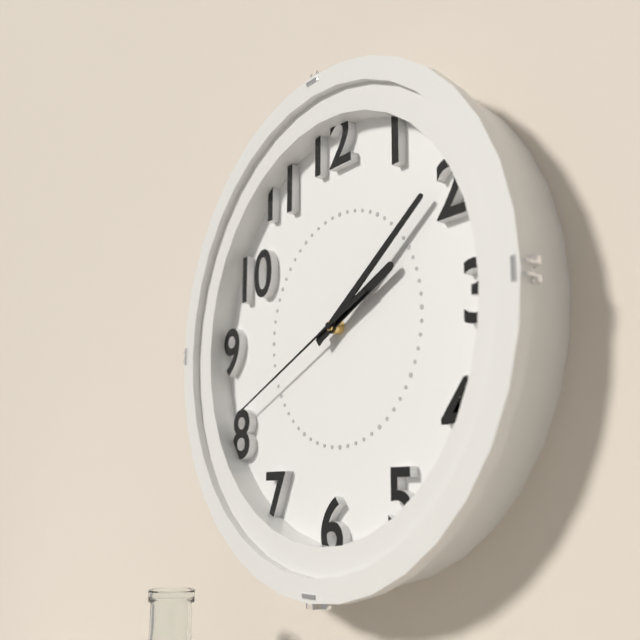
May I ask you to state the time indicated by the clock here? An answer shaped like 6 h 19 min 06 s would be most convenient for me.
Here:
2 h 09 min 41 s
